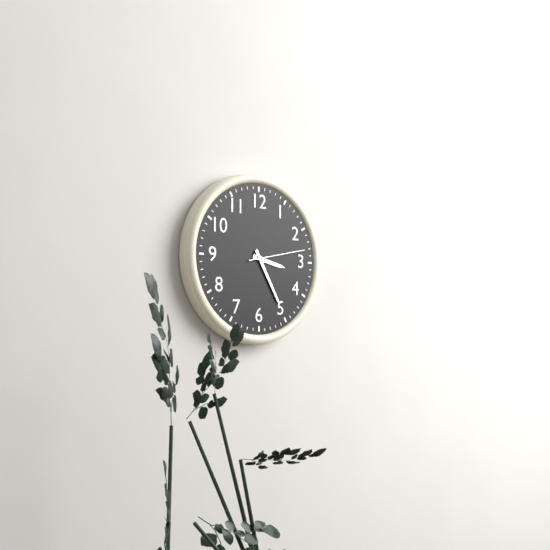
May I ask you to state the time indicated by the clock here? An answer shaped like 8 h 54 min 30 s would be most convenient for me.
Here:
3 h 25 min 13 s
